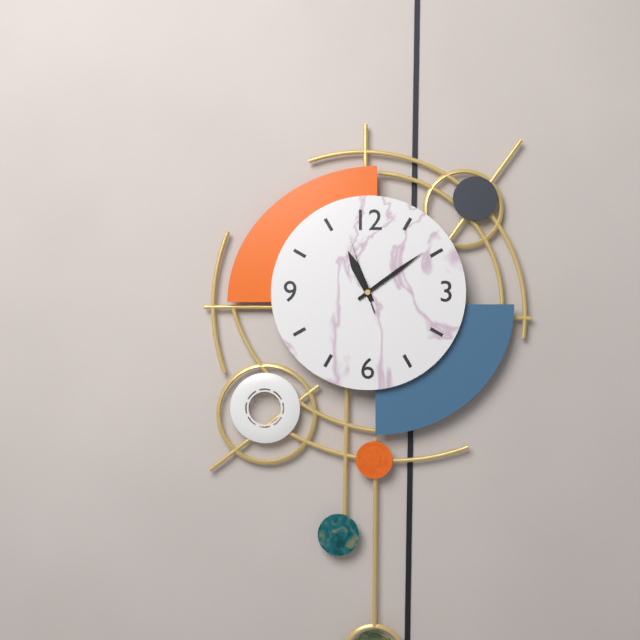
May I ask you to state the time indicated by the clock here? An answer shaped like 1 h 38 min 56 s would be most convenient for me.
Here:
11 h 09 min 57 s
